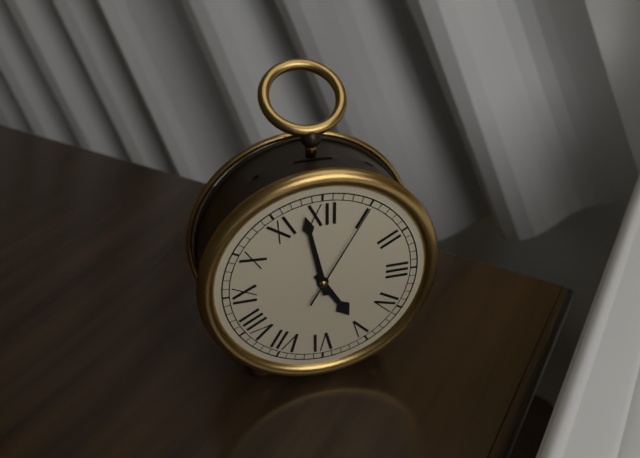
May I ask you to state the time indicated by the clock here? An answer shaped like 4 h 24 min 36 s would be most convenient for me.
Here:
4 h 58 min 05 s
